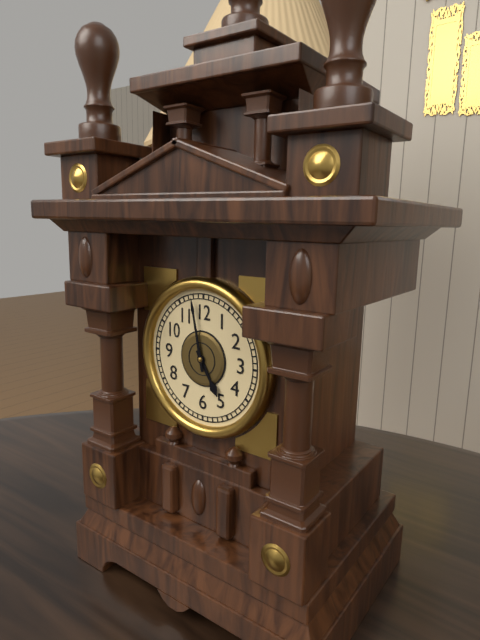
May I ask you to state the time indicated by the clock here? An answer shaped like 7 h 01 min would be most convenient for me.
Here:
4 h 58 min
